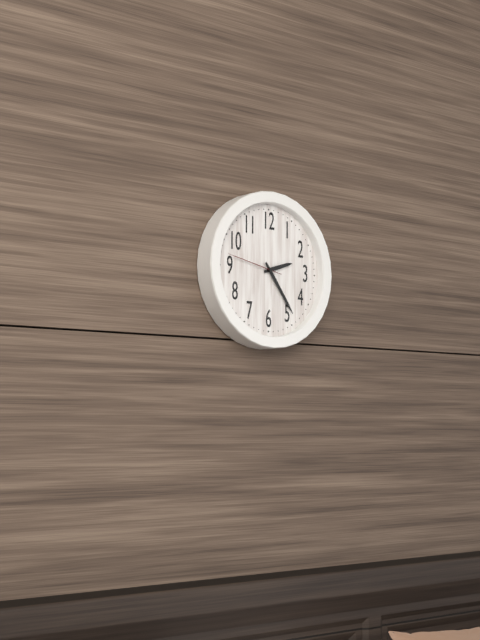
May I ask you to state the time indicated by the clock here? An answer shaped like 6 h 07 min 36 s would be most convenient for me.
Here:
2 h 24 min 47 s
